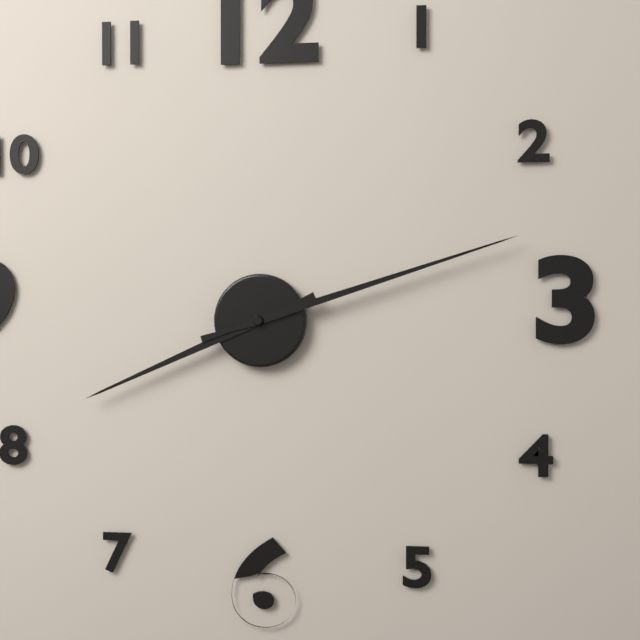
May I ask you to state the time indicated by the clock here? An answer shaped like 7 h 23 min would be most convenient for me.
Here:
8 h 12 min
